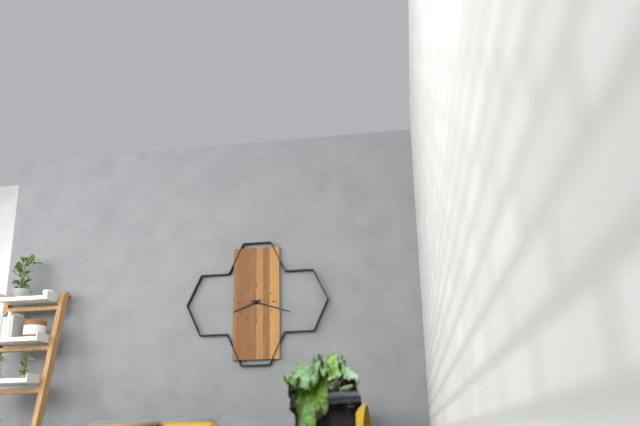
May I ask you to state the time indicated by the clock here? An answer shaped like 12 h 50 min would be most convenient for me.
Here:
8 h 18 min
